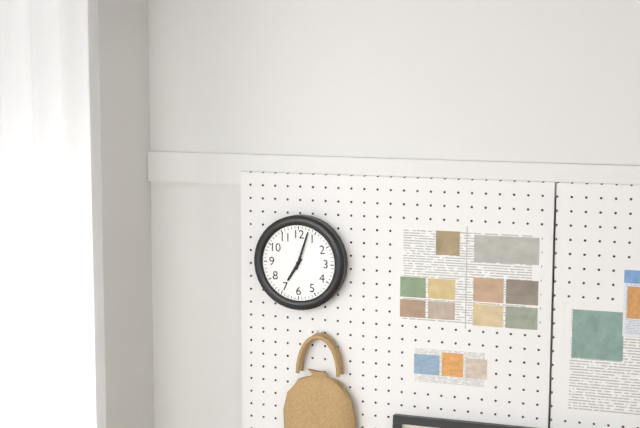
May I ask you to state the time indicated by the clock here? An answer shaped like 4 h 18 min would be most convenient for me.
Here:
7 h 03 min
